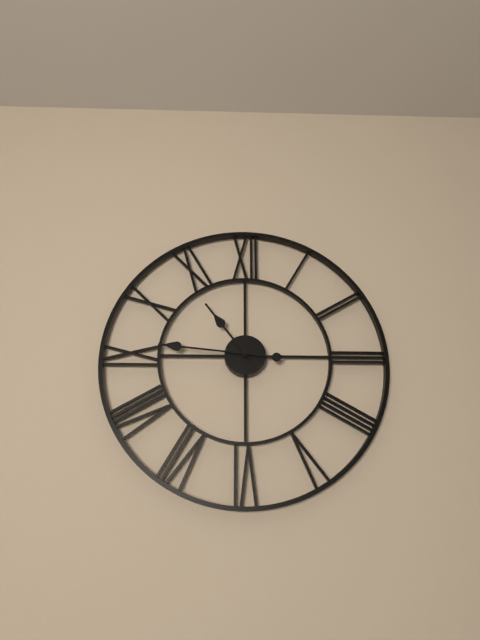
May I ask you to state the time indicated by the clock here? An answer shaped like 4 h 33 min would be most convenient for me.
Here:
10 h 46 min
